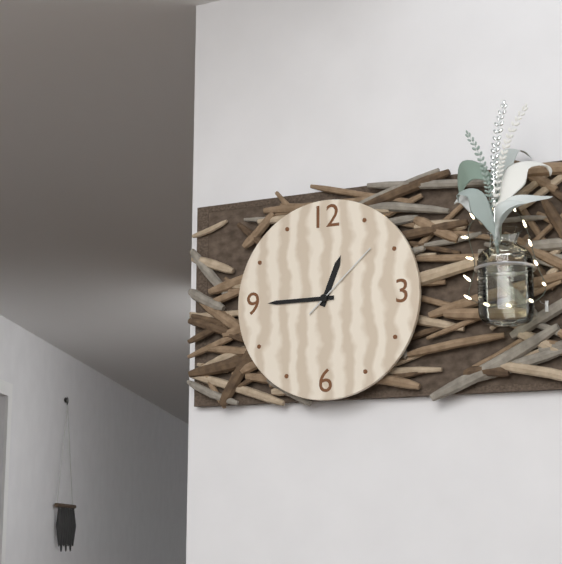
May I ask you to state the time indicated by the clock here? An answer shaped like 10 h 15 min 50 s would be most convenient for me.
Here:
12 h 45 min 08 s
